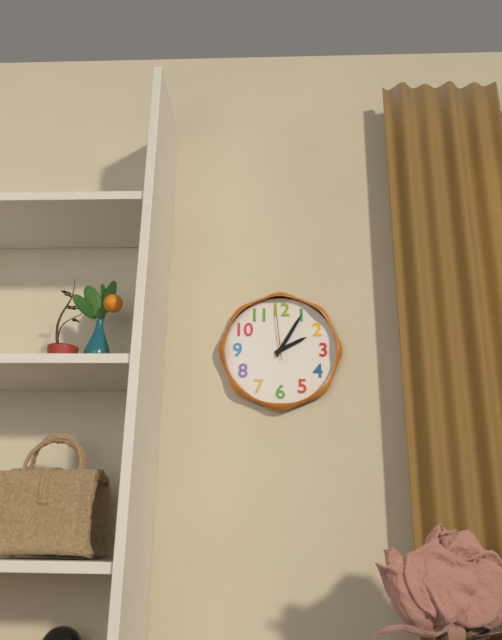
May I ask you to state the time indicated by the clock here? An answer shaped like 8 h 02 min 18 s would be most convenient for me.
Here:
2 h 05 min 59 s
